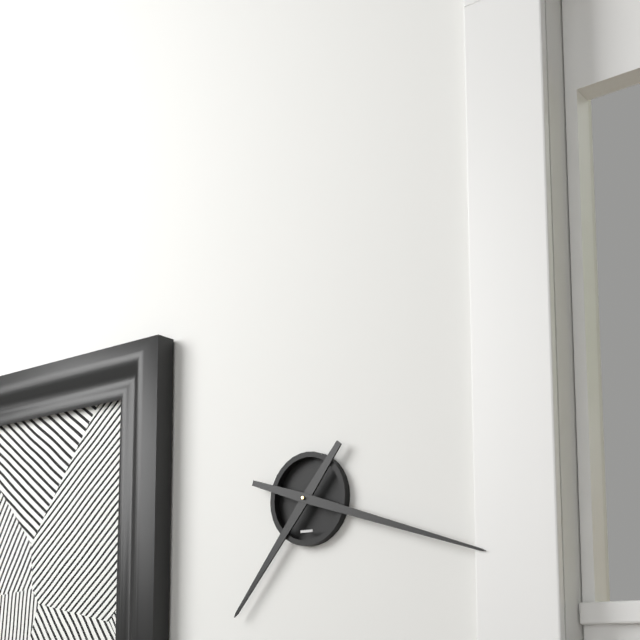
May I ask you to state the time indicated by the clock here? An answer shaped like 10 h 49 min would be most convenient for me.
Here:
7 h 18 min
